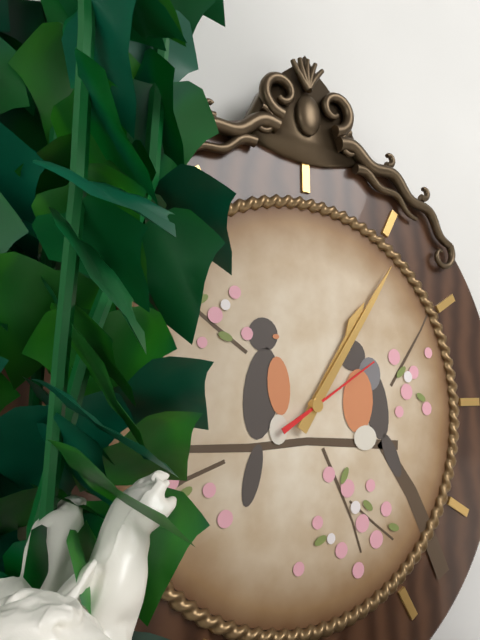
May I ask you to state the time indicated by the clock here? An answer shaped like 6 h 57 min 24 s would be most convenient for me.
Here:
1 h 06 min 10 s
